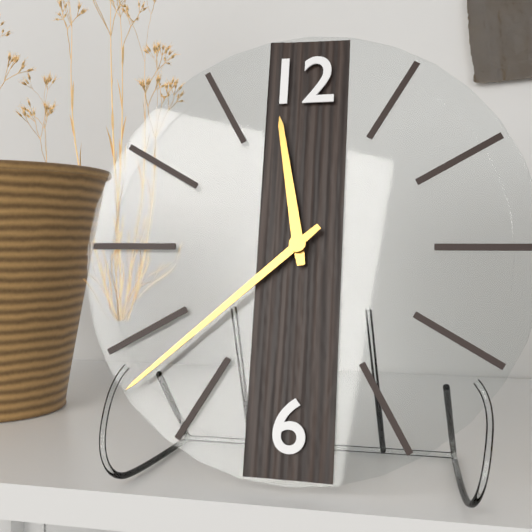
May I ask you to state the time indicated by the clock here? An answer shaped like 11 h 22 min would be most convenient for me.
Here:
11 h 38 min
